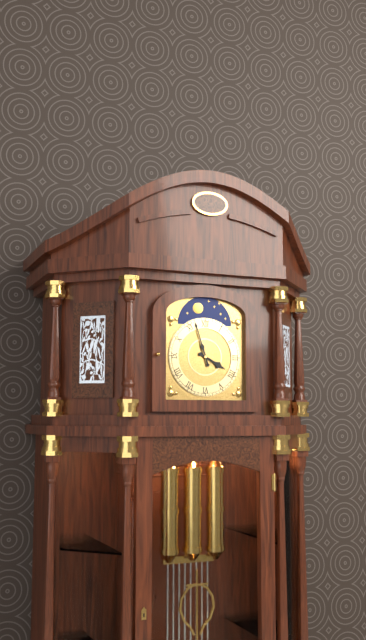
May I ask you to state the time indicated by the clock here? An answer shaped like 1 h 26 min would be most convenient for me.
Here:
3 h 57 min
